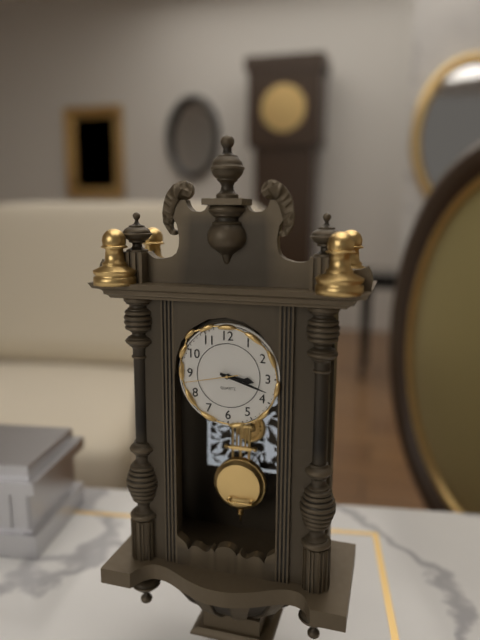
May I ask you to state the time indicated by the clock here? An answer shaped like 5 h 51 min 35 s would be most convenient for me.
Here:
3 h 18 min 43 s
